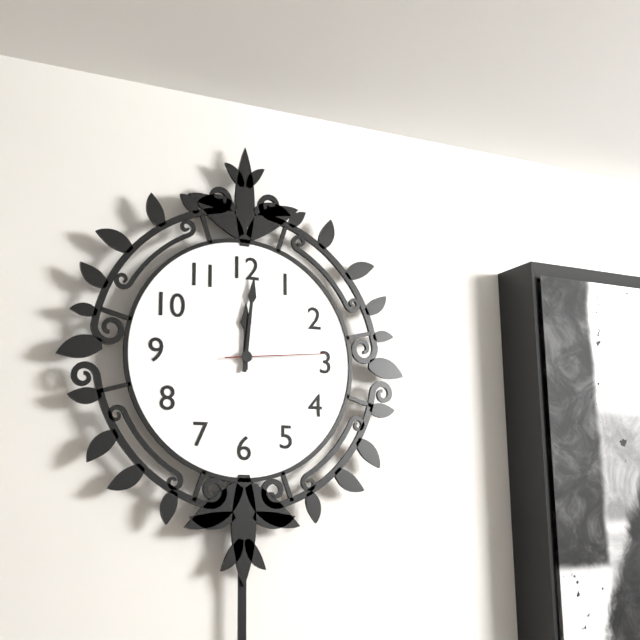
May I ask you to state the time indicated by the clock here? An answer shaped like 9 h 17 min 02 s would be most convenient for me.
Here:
12 h 01 min 14 s
